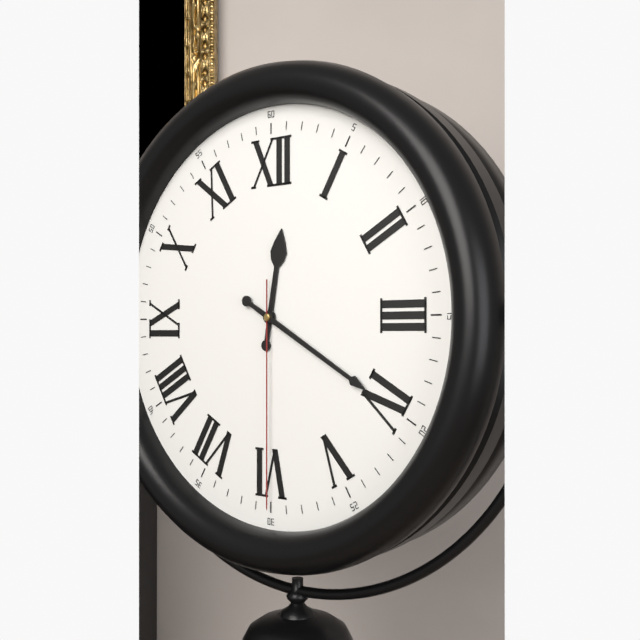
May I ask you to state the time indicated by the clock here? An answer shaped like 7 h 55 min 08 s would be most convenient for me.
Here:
12 h 20 min 30 s
